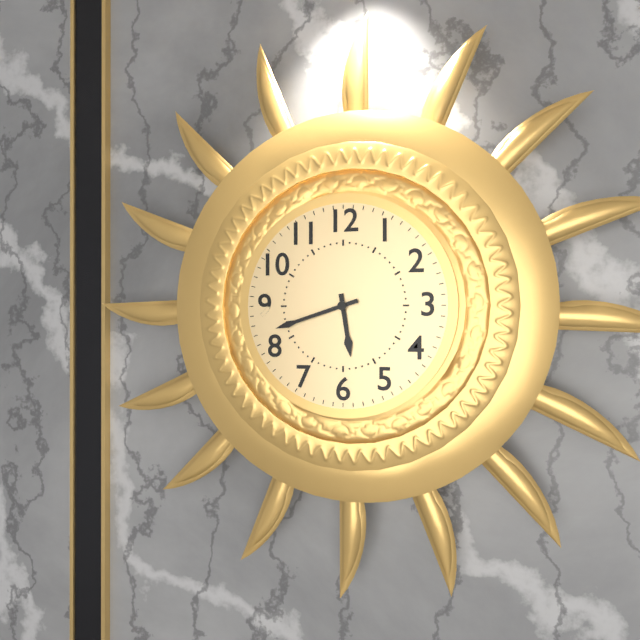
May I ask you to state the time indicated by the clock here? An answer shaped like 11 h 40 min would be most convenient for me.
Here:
5 h 42 min
